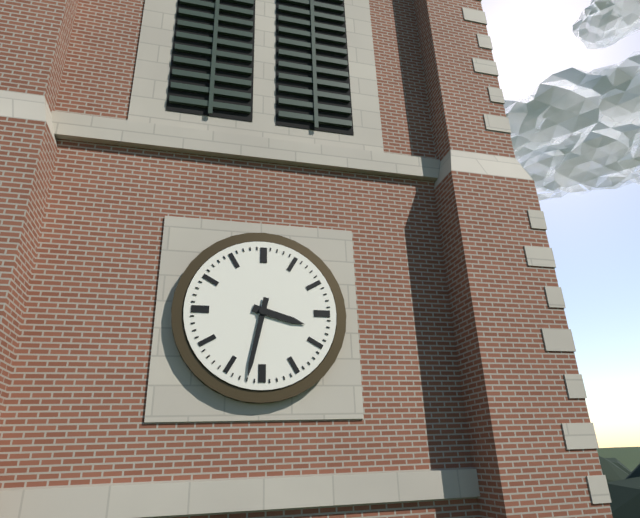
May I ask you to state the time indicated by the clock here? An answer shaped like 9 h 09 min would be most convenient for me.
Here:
3 h 32 min
